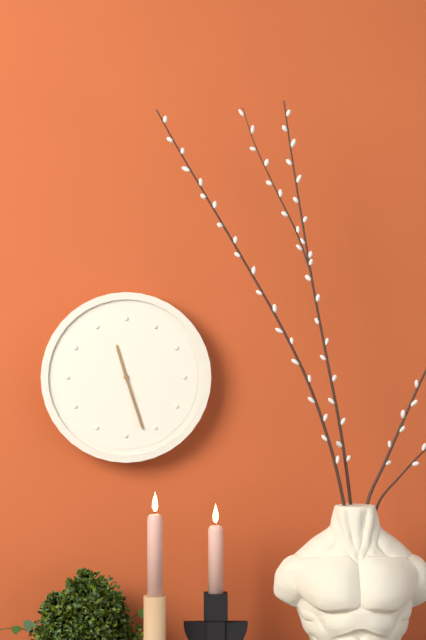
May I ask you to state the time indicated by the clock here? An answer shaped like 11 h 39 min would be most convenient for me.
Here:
11 h 27 min
